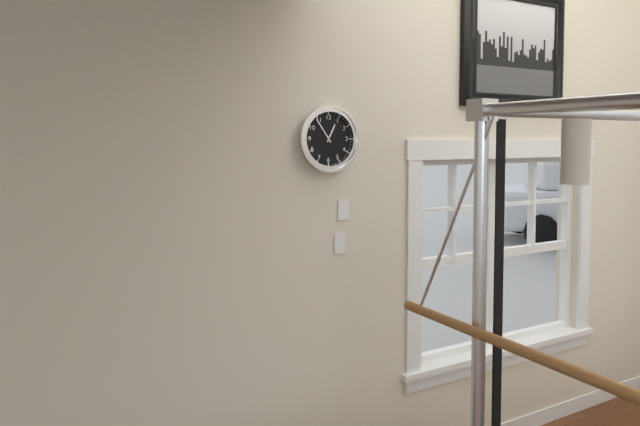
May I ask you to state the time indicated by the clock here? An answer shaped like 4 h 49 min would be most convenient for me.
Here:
12 h 54 min
